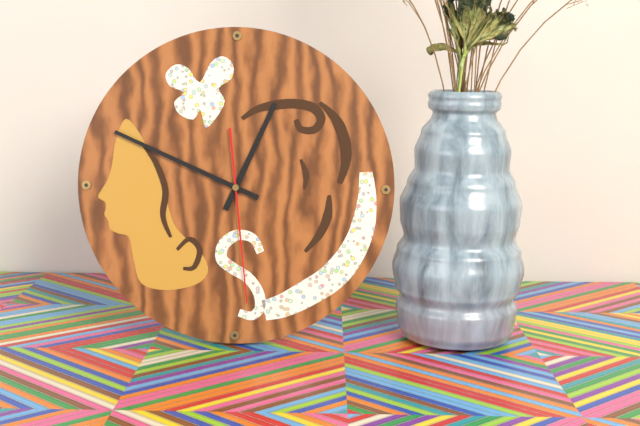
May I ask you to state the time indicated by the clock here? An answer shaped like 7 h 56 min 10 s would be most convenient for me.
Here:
12 h 49 min 29 s
